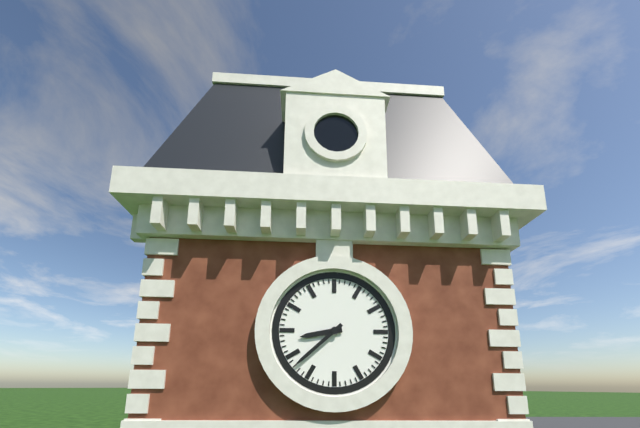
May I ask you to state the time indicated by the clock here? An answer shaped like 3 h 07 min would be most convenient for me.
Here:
8 h 38 min
